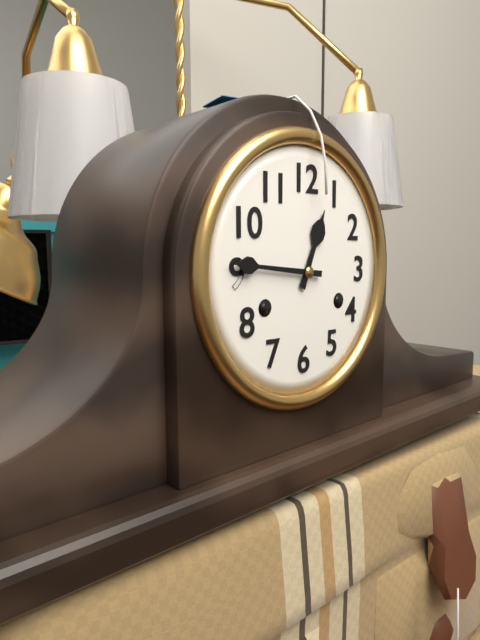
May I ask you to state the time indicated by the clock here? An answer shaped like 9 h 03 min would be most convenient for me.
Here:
12 h 46 min
